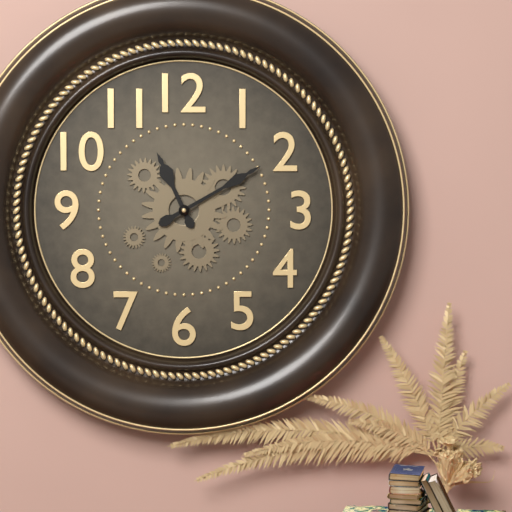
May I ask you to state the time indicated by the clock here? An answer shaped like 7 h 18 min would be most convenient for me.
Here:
11 h 10 min
